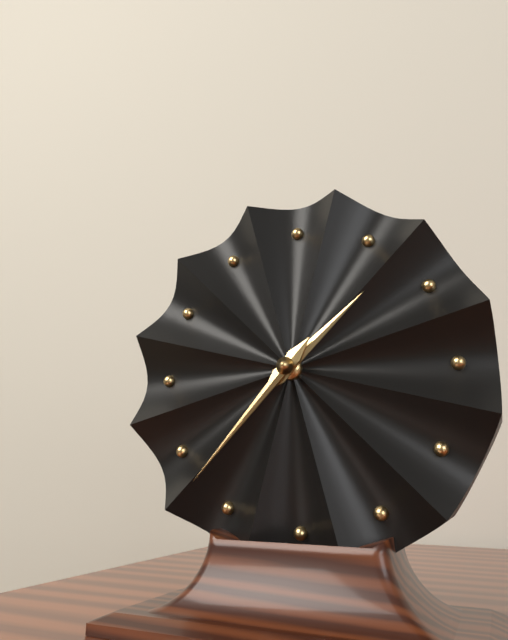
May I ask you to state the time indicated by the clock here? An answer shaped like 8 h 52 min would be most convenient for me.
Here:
1 h 37 min
